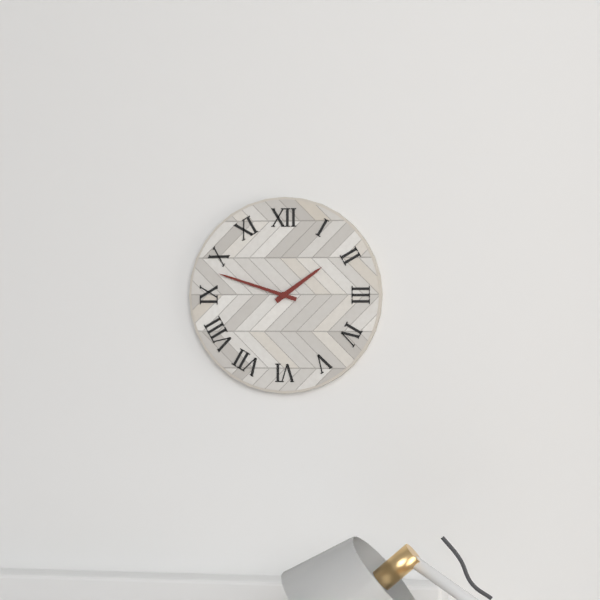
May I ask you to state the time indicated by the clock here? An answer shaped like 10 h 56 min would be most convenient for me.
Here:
1 h 48 min
